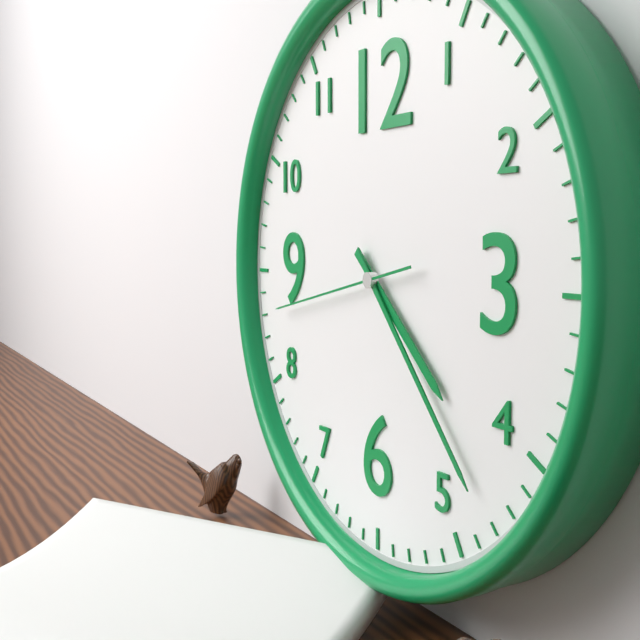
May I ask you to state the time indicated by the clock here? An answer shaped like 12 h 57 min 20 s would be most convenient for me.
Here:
4 h 23 min 43 s
